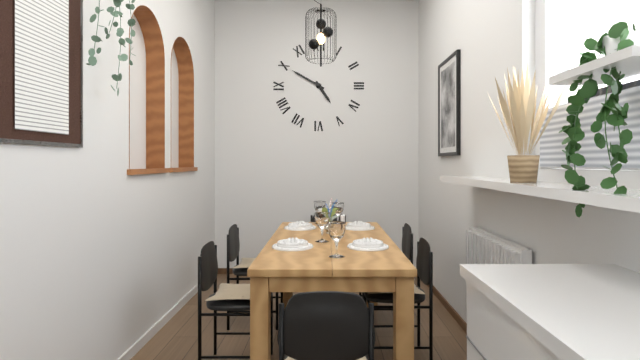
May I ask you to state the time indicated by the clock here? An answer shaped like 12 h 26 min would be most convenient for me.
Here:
4 h 50 min
